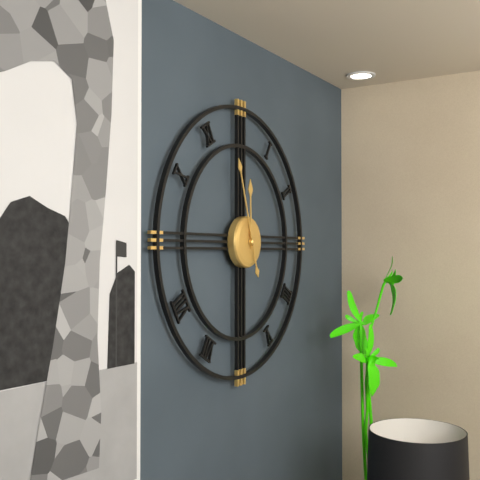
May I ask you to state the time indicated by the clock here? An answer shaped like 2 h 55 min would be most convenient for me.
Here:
11 h 57 min
